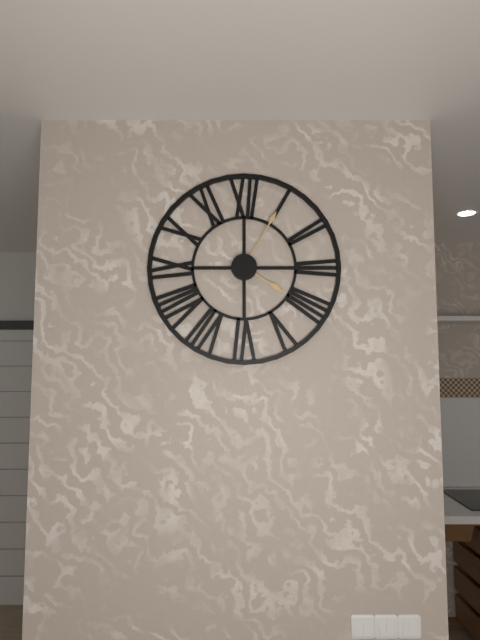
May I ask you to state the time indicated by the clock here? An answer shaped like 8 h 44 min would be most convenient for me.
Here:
4 h 05 min
